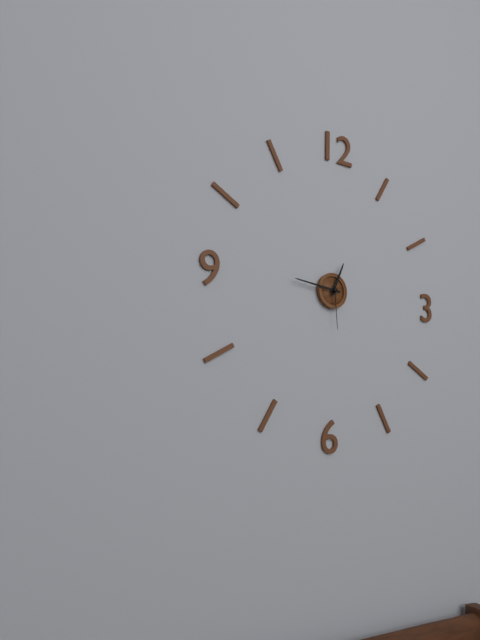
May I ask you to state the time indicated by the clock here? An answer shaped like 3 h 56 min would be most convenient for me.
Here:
12 h 46 min
